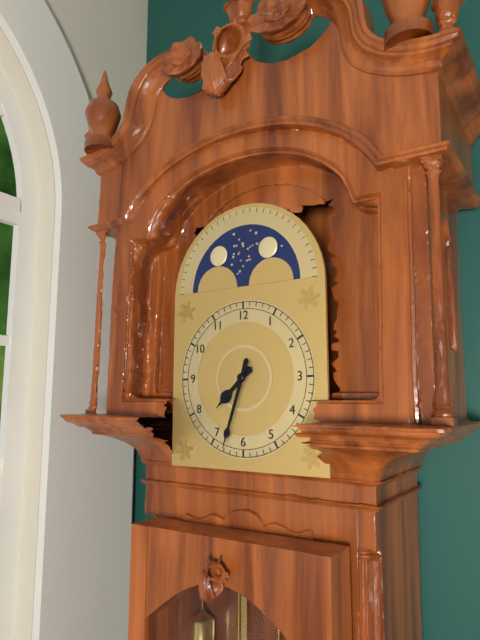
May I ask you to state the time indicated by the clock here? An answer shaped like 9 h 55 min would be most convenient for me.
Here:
7 h 33 min
